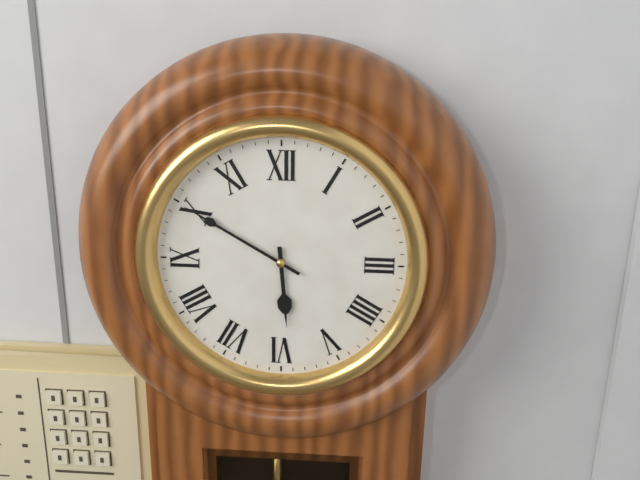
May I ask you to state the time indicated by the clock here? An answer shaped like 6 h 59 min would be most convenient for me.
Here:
5 h 50 min
